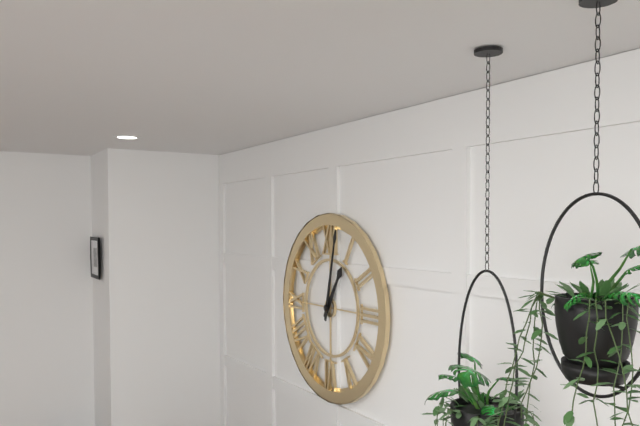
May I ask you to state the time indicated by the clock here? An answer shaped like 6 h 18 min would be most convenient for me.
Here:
1 h 02 min
